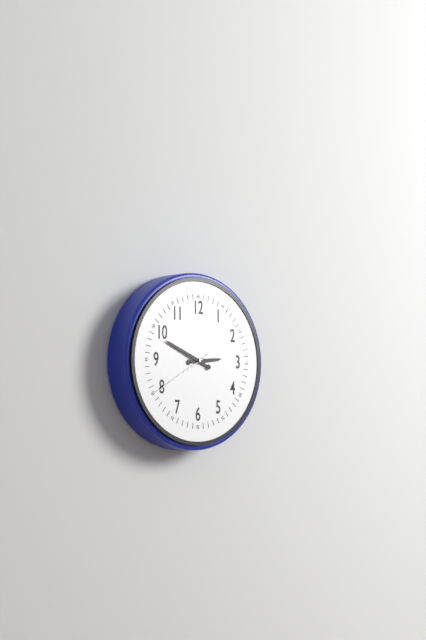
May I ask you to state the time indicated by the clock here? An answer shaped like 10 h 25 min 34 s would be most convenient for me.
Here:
2 h 49 min 40 s
